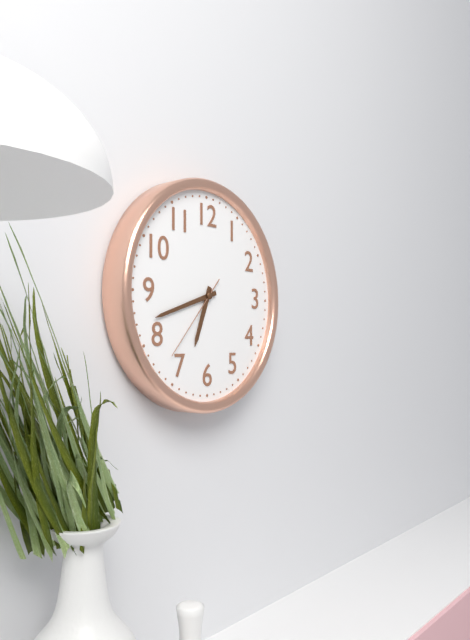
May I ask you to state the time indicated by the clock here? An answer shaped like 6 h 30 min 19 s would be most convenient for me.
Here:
6 h 42 min 37 s
